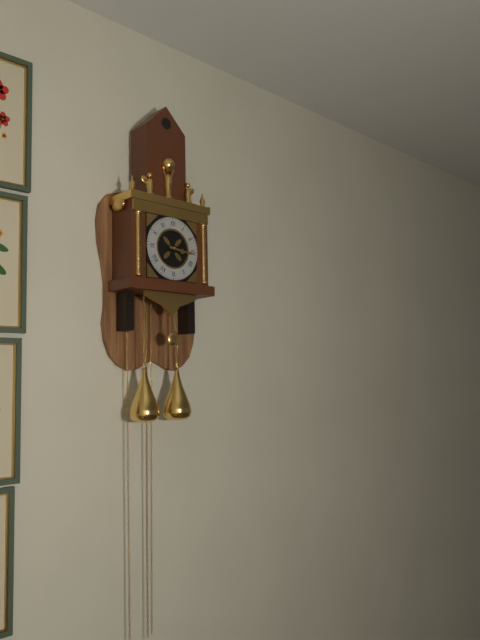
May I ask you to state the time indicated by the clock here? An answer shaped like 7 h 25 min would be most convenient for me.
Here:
3 h 16 min
